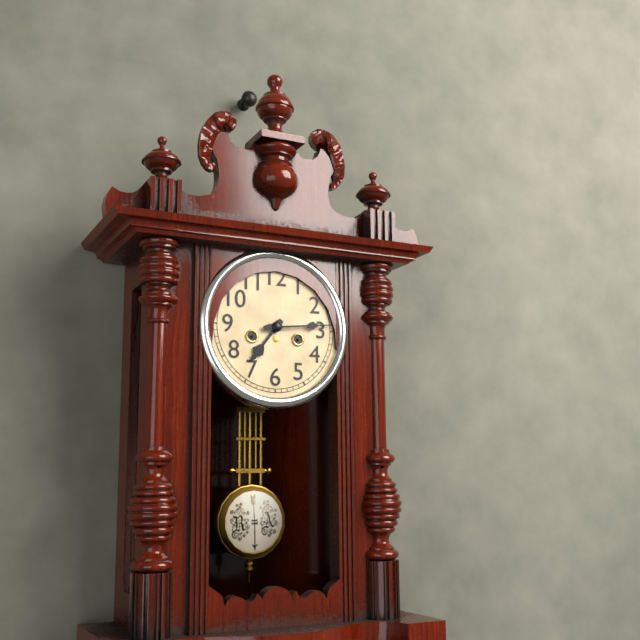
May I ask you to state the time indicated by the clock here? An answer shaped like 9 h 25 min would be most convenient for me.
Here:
7 h 14 min
